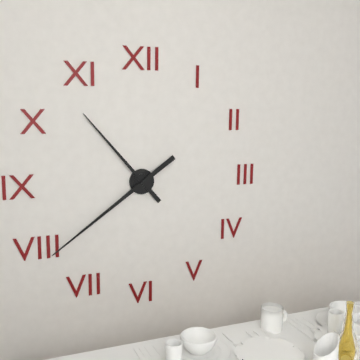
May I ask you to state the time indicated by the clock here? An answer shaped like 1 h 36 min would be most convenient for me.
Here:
10 h 39 min
